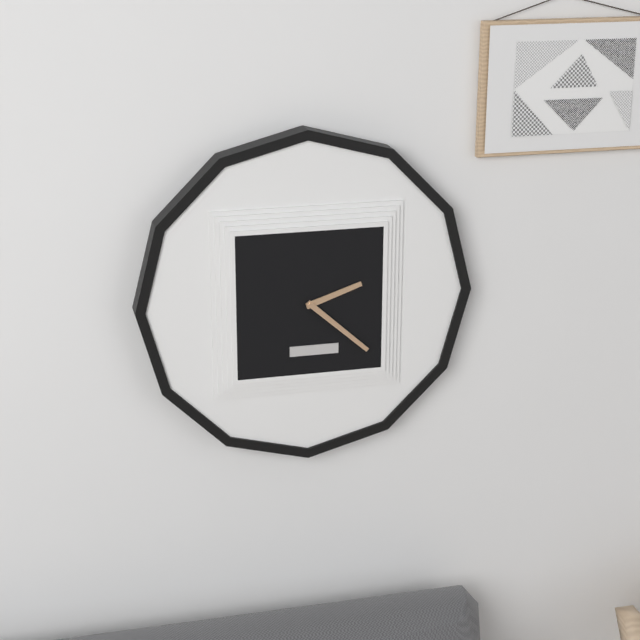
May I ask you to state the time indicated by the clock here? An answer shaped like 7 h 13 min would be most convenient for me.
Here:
2 h 22 min
